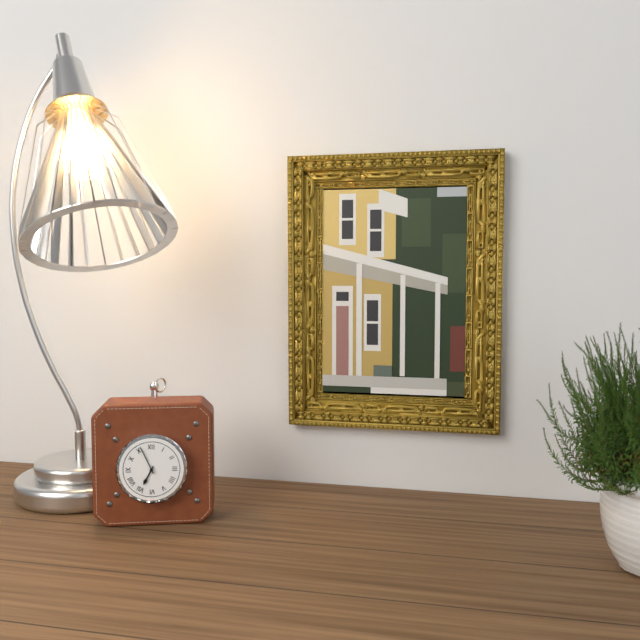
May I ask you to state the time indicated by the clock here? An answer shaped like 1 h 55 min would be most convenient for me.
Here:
6 h 56 min
